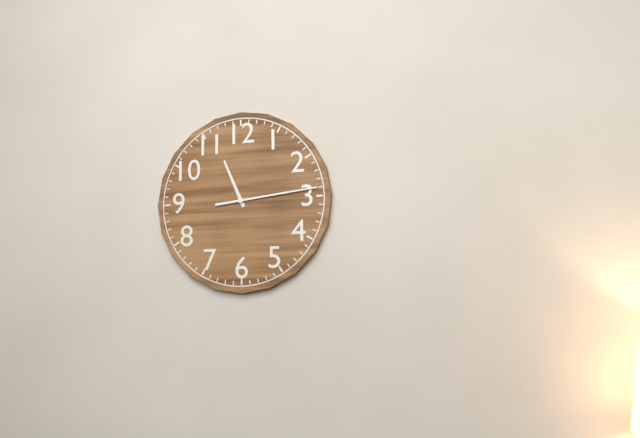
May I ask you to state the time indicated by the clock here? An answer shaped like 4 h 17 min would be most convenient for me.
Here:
11 h 14 min
